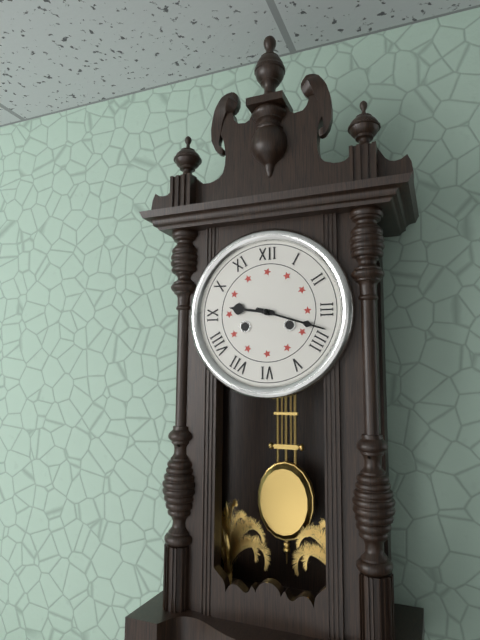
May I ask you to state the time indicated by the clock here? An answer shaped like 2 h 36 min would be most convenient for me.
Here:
9 h 18 min
